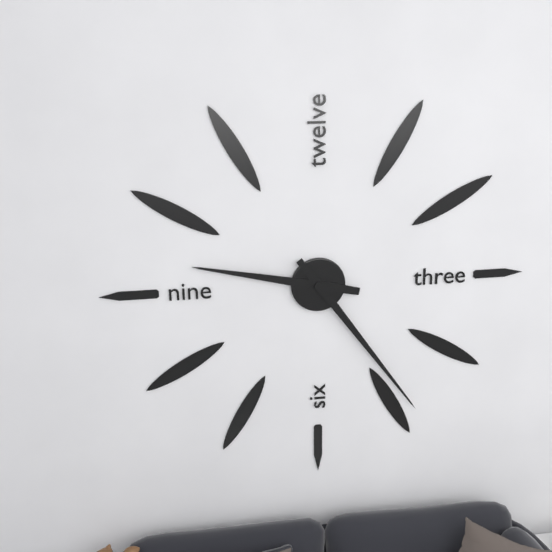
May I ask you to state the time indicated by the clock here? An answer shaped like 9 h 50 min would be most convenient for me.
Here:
9 h 24 min
